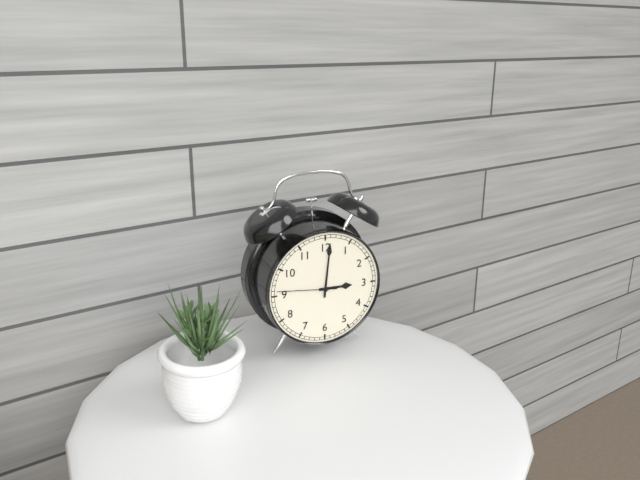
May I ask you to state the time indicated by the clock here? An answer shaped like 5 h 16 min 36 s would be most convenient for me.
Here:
3 h 01 min 46 s
